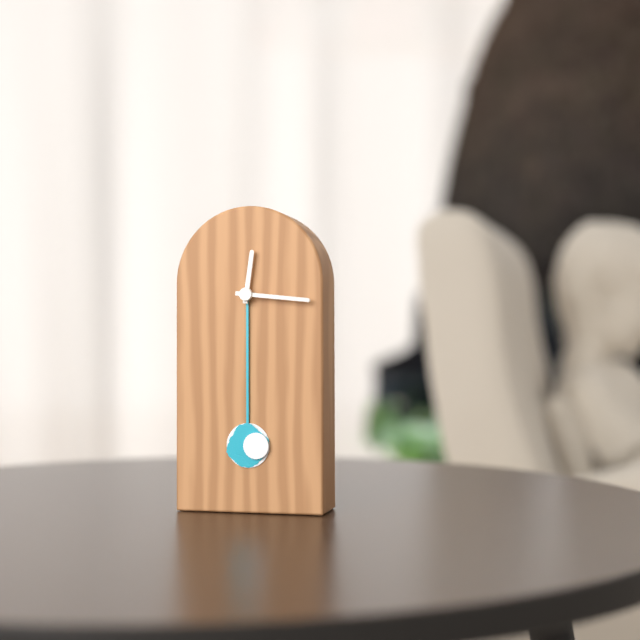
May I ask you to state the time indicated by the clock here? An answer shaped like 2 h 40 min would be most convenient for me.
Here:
12 h 16 min
